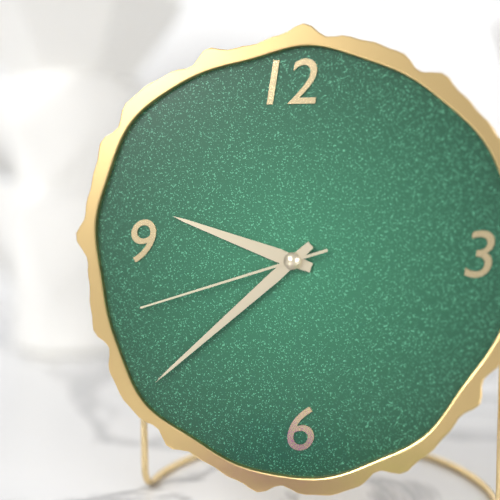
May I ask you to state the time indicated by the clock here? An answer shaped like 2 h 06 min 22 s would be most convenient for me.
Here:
9 h 38 min 42 s
